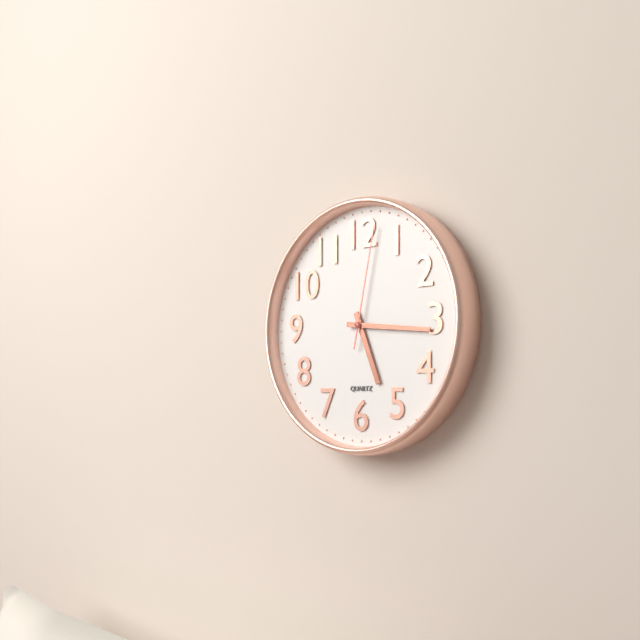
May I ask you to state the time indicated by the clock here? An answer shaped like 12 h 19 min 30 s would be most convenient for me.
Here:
5 h 16 min 02 s
